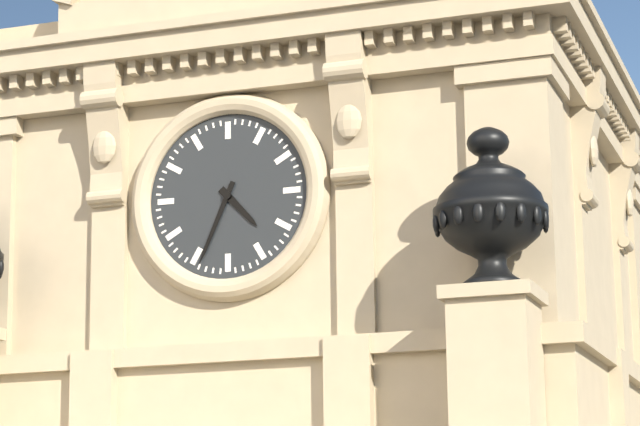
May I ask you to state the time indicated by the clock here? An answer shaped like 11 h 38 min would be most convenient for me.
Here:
4 h 34 min
